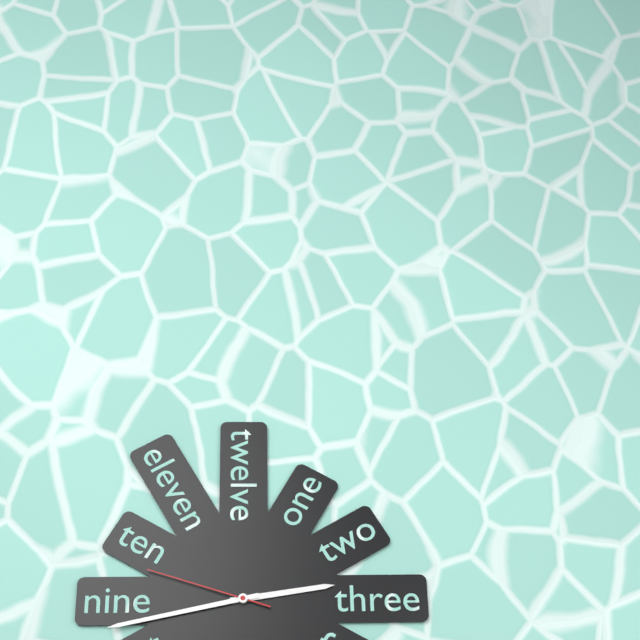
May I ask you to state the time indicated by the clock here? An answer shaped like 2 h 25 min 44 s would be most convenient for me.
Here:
2 h 43 min 48 s
